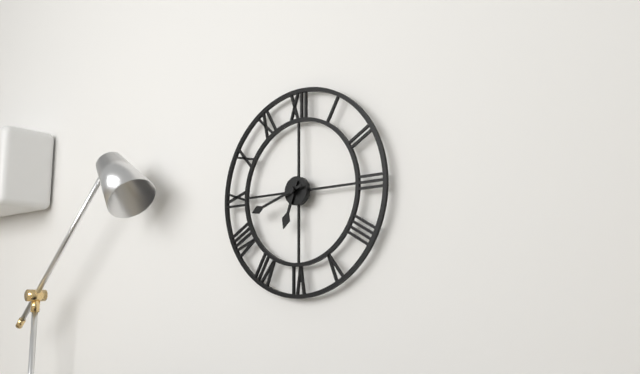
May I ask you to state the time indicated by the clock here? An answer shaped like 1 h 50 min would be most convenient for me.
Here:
6 h 42 min
